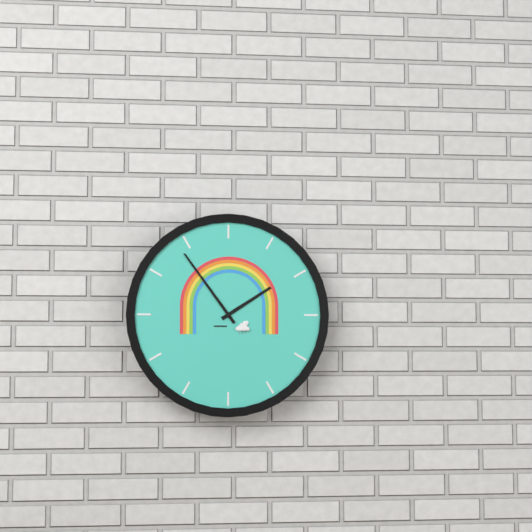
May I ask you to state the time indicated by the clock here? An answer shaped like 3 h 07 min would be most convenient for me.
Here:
1 h 54 min
